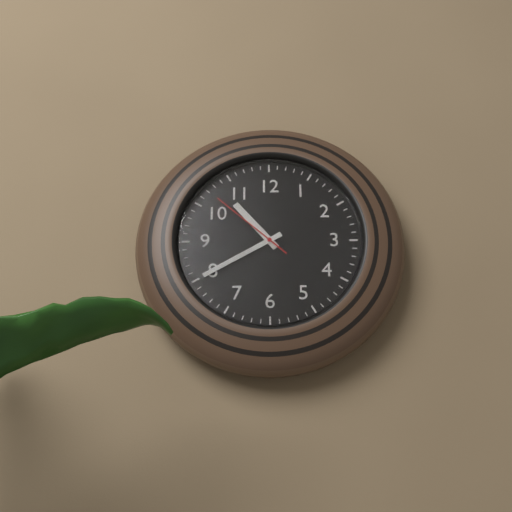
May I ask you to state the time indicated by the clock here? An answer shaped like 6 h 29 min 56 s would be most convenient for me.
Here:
10 h 40 min 52 s
